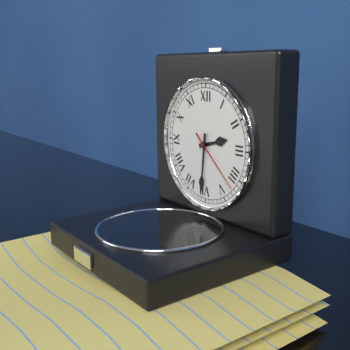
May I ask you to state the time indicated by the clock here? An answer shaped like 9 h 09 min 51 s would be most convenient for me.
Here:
2 h 31 min 22 s
